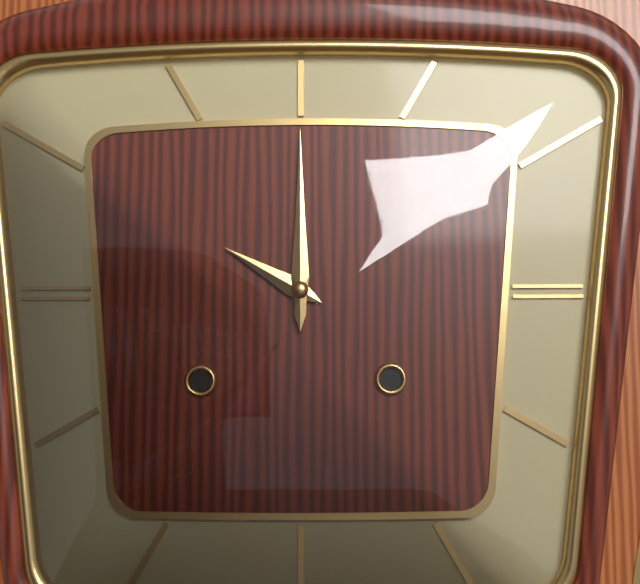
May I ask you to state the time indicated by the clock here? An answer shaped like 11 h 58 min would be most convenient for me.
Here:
10 h 00 min
